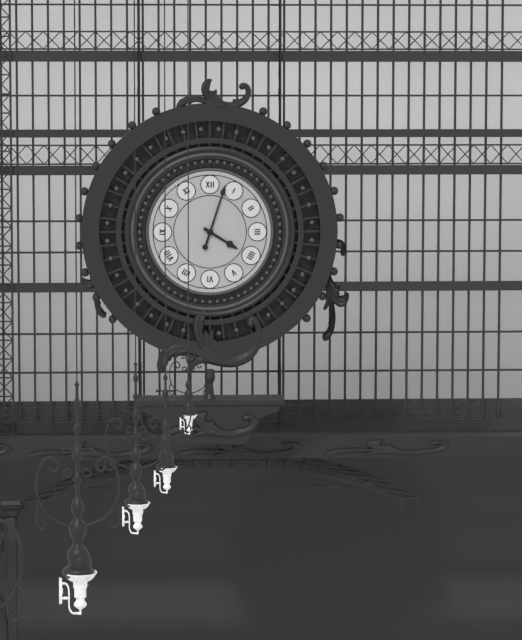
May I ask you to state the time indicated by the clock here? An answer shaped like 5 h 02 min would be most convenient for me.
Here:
4 h 03 min
